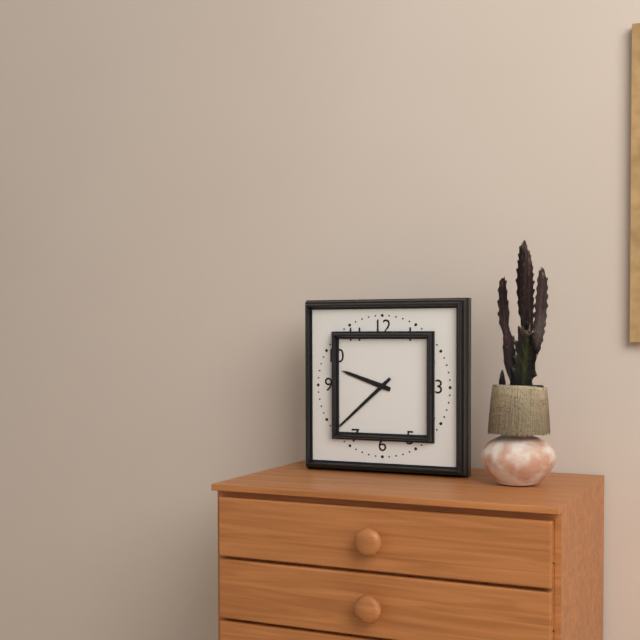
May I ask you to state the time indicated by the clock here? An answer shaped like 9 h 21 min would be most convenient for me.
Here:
9 h 38 min
